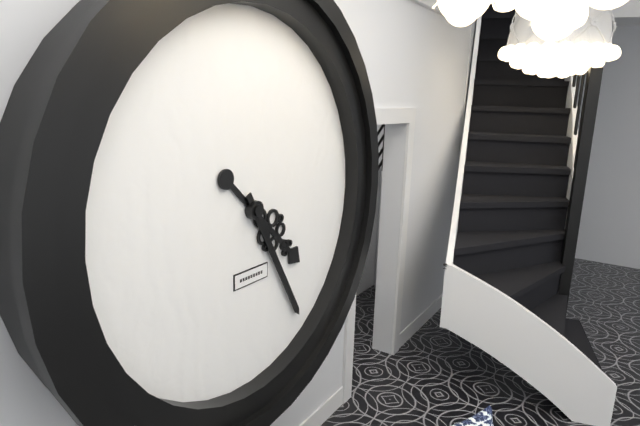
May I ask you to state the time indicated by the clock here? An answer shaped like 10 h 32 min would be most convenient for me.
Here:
4 h 25 min
